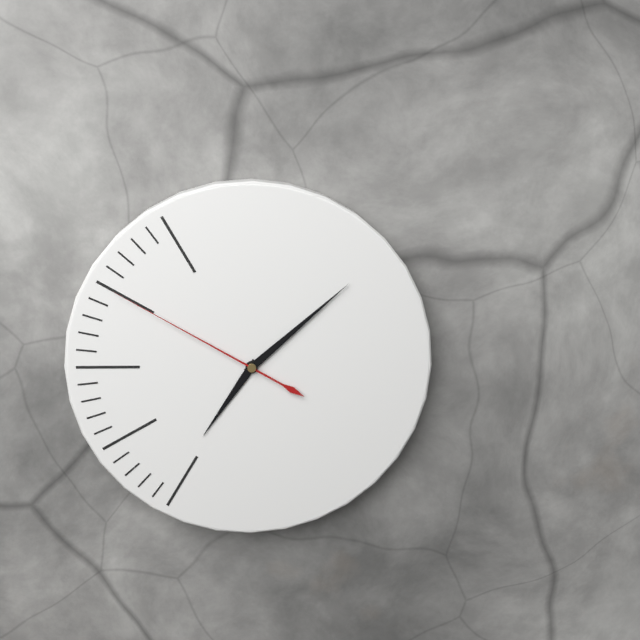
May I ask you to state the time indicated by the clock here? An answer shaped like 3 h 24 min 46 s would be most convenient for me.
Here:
7 h 08 min 50 s
